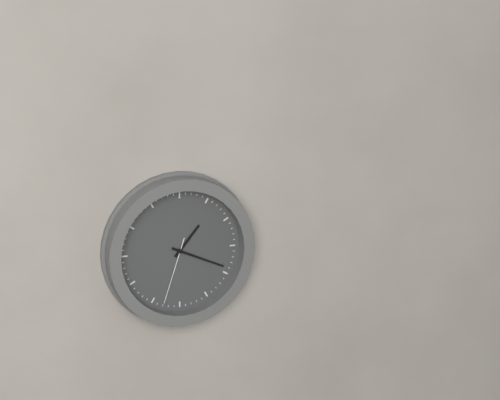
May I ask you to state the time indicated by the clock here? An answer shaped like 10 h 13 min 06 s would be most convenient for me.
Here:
1 h 19 min 33 s
